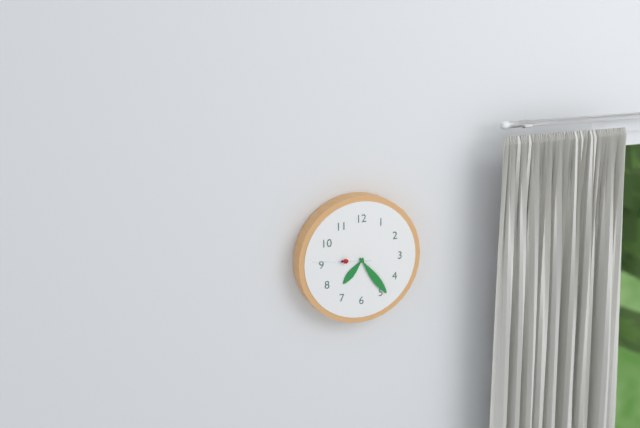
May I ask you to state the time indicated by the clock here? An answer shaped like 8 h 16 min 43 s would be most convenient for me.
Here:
7 h 24 min 46 s
